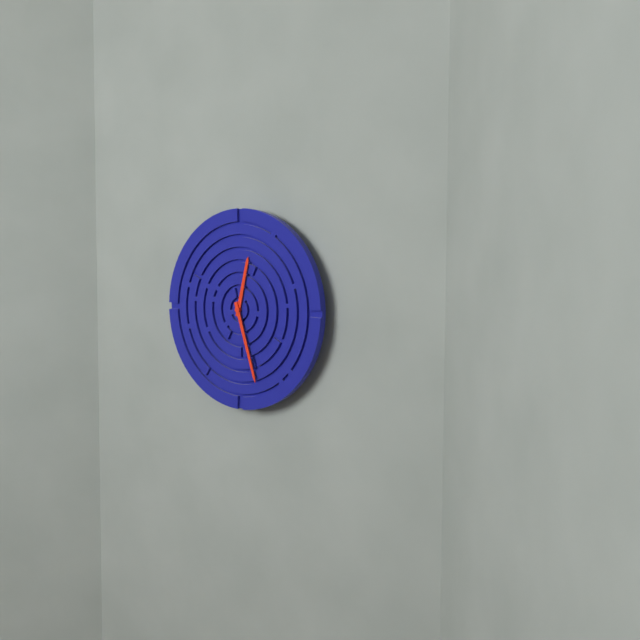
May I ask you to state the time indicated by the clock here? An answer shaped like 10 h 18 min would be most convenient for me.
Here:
12 h 27 min
